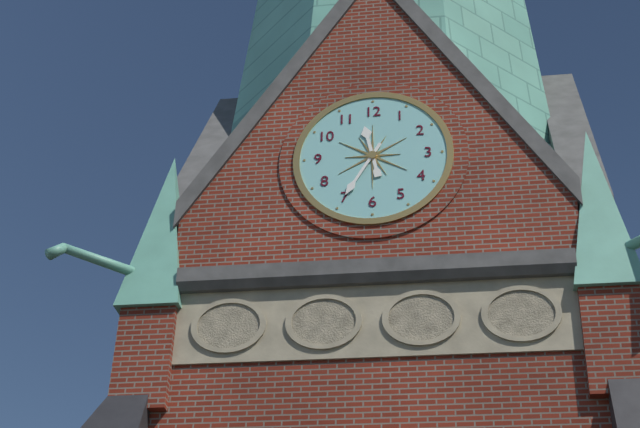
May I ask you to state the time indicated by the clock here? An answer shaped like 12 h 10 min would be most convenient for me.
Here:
11 h 35 min
